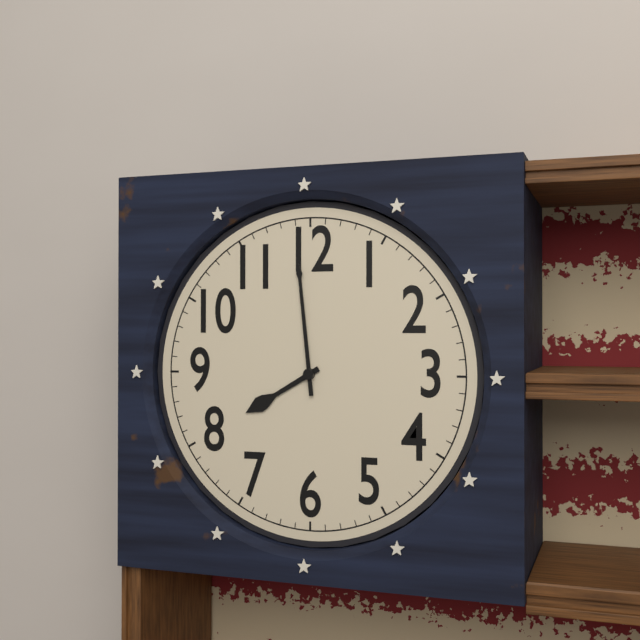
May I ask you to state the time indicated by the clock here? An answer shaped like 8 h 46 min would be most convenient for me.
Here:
7 h 59 min
